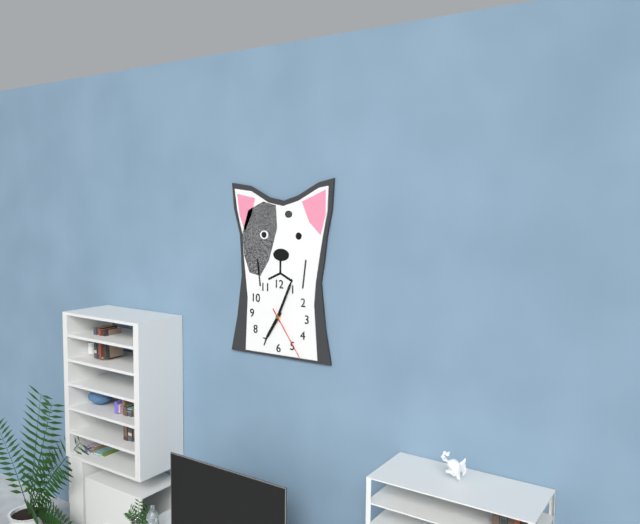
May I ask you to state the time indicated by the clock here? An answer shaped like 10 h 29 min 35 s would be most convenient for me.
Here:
7 h 04 min 24 s
